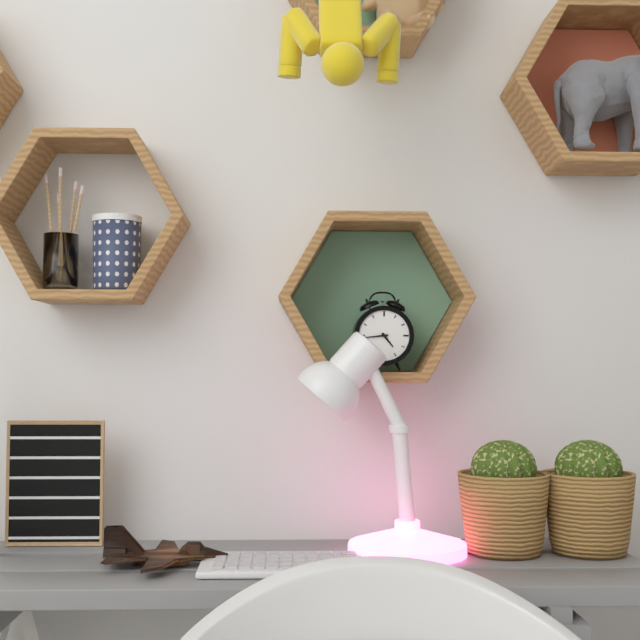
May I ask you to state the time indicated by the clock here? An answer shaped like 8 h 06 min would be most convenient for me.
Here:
4 h 44 min
